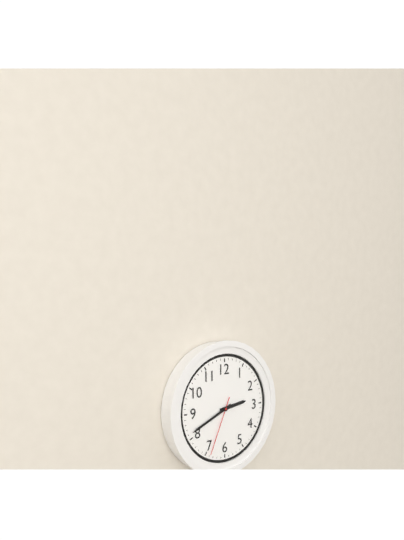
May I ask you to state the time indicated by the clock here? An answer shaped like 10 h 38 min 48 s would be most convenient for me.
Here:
2 h 41 min 34 s
